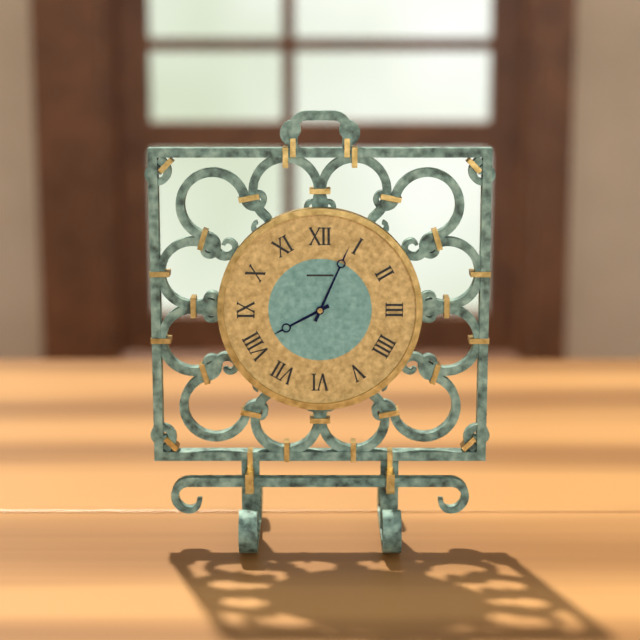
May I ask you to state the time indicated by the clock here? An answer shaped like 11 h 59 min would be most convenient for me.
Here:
8 h 04 min
